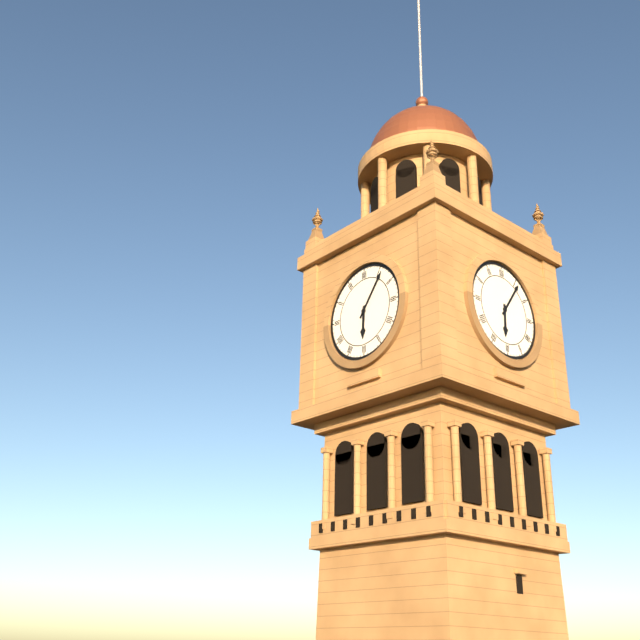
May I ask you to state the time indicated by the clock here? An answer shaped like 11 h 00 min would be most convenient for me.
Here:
6 h 06 min
